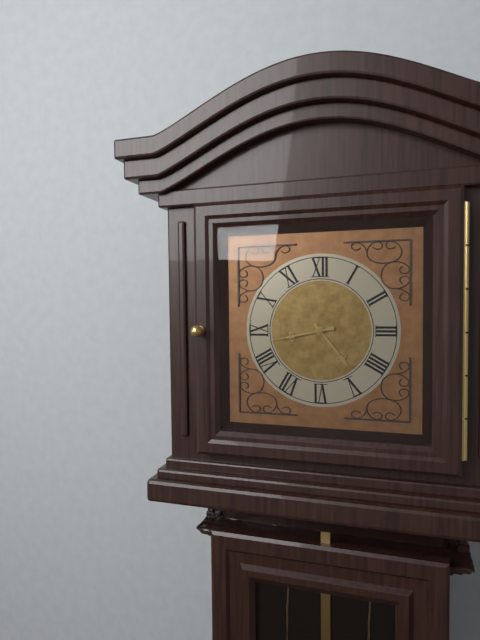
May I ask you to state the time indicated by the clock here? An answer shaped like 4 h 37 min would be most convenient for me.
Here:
4 h 43 min
